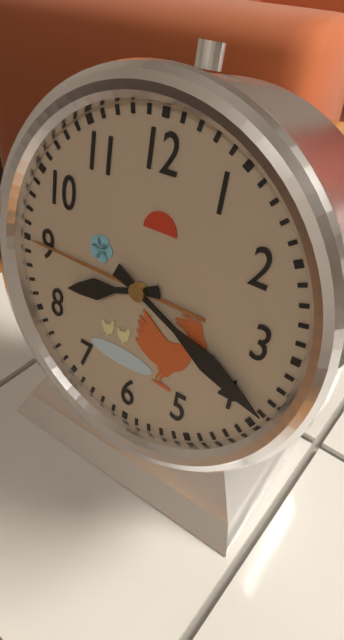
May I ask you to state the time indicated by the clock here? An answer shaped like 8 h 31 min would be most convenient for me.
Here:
8 h 19 min
